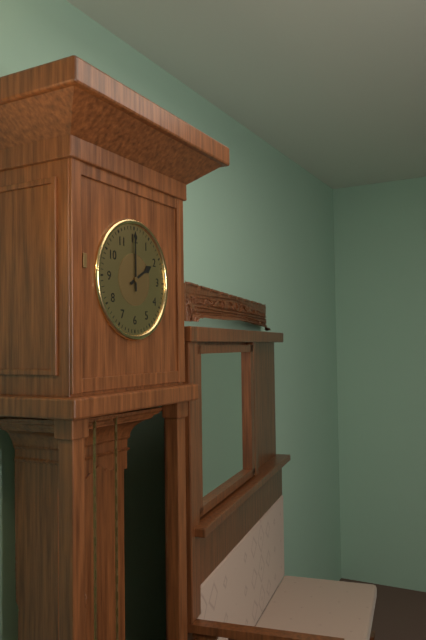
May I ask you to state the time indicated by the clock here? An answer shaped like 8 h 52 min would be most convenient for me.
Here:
2 h 00 min
